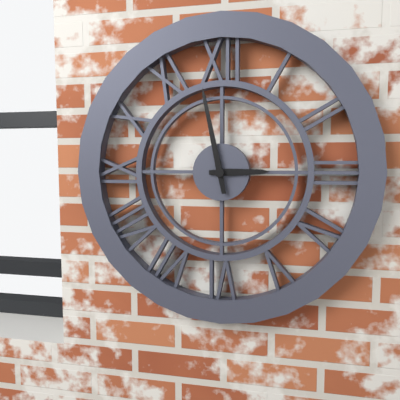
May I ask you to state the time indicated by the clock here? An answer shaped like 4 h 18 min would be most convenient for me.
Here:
2 h 58 min
